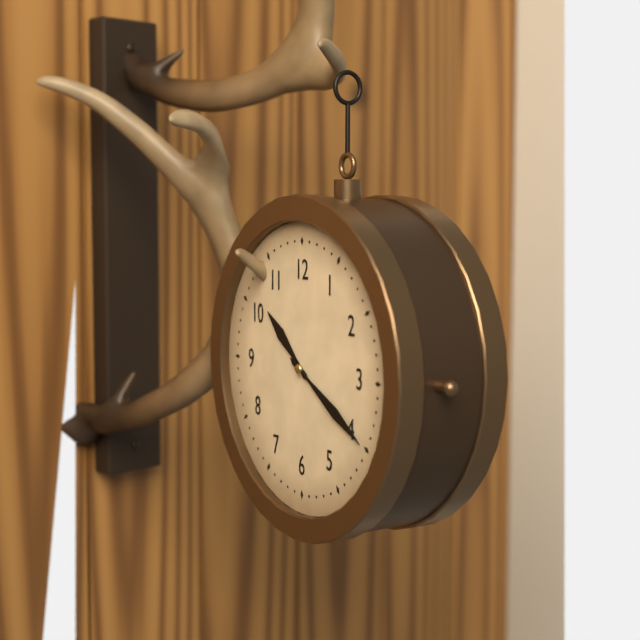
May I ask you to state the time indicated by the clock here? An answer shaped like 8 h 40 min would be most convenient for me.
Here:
10 h 20 min
